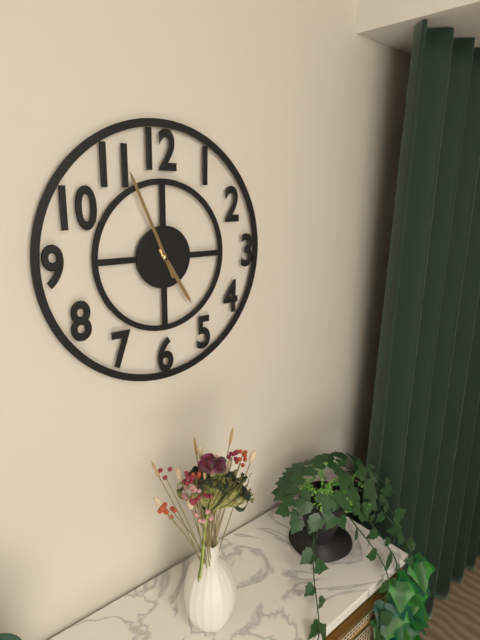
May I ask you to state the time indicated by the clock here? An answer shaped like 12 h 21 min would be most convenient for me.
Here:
4 h 56 min
